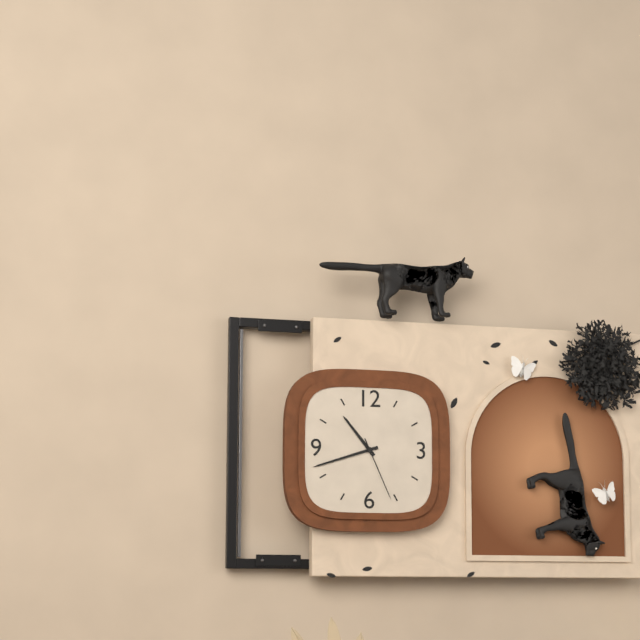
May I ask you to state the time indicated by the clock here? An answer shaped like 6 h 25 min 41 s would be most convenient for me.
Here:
10 h 42 min 26 s
